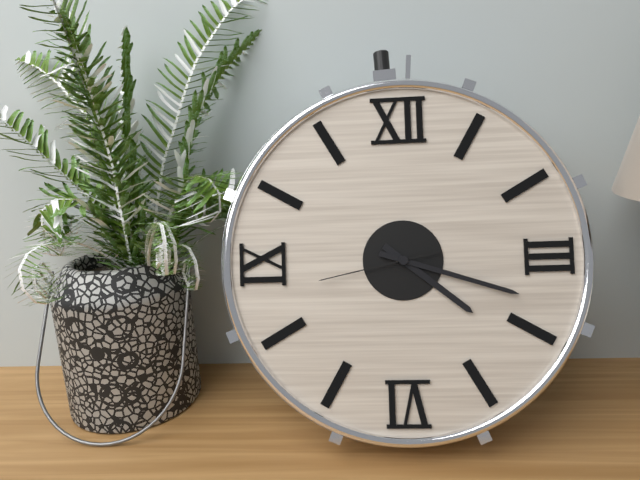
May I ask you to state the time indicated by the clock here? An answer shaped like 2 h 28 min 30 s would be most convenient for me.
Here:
4 h 18 min 43 s
